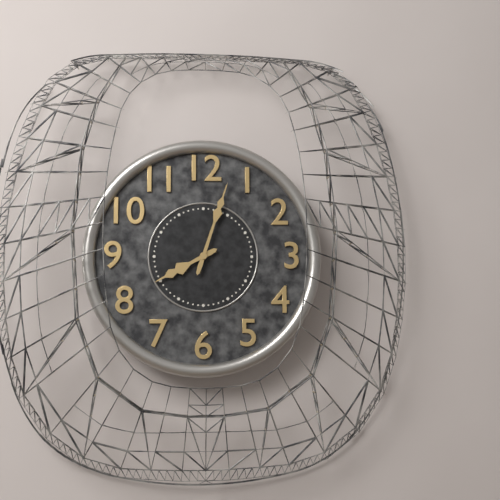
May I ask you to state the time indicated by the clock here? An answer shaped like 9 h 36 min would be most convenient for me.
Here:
8 h 03 min
